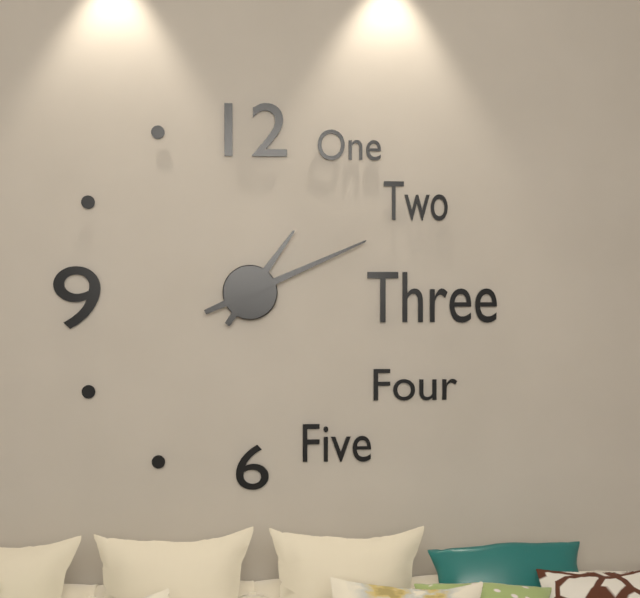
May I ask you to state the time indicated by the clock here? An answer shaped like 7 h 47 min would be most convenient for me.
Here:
1 h 11 min
